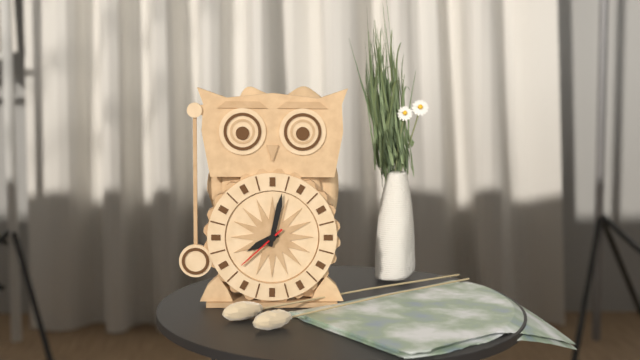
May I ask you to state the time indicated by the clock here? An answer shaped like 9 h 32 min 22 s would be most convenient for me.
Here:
8 h 02 min 38 s
